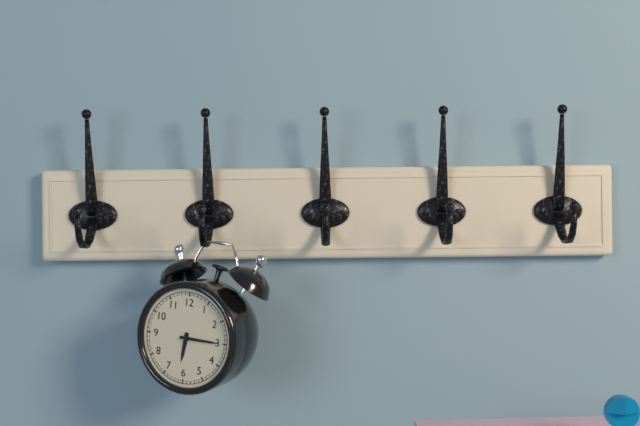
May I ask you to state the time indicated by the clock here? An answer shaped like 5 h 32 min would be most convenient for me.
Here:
6 h 15 min
